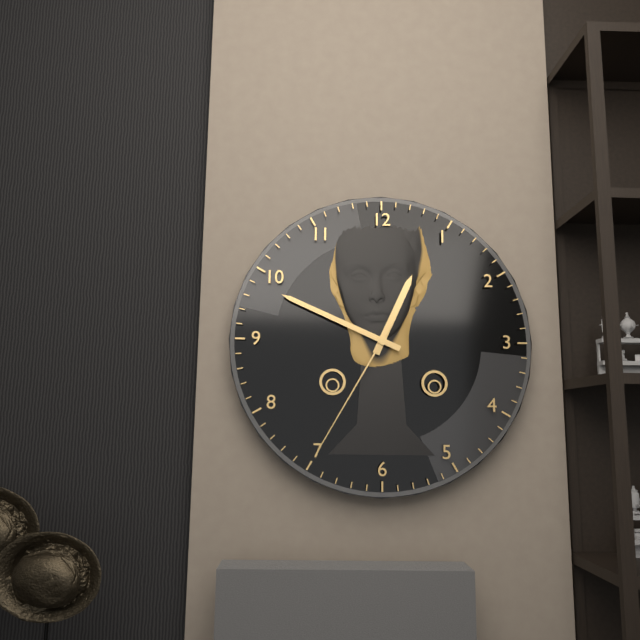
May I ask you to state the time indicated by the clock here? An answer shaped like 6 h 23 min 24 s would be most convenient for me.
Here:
12 h 49 min 35 s
